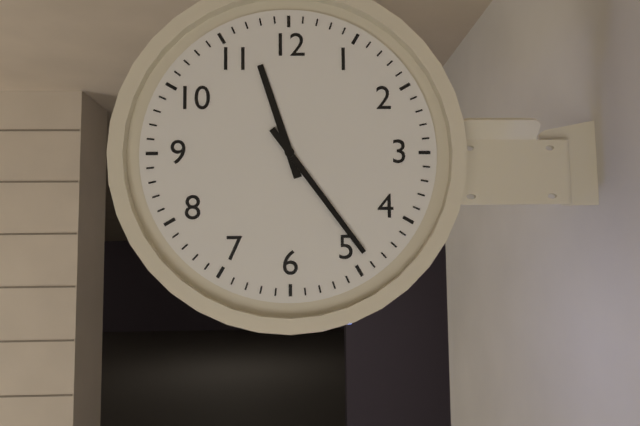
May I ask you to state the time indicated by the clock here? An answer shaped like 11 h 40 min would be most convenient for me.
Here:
11 h 24 min
